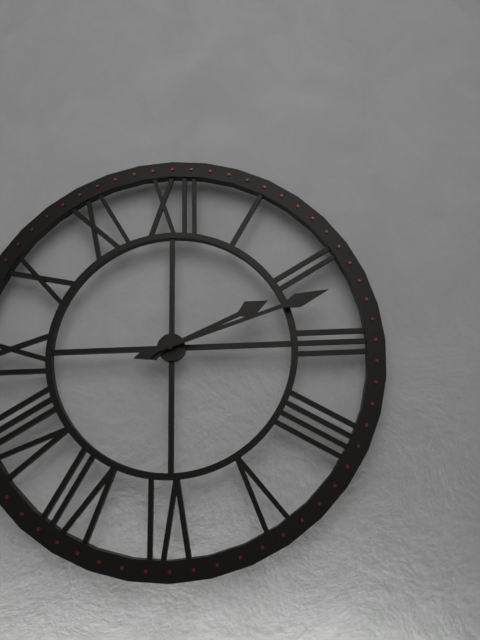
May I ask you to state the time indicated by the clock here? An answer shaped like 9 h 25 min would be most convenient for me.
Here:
2 h 12 min
